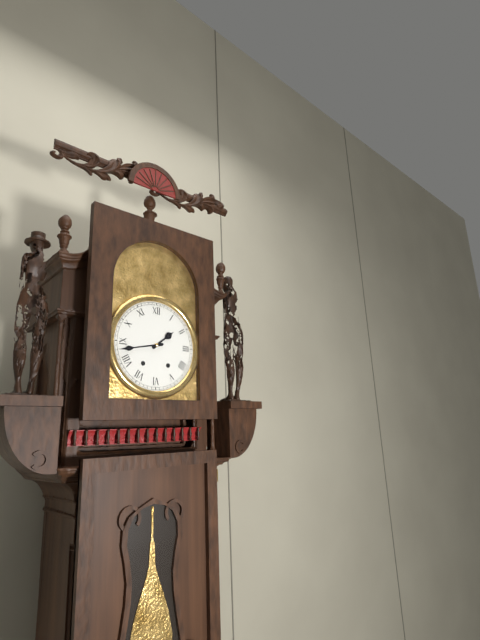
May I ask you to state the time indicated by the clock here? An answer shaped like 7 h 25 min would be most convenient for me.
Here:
1 h 43 min
